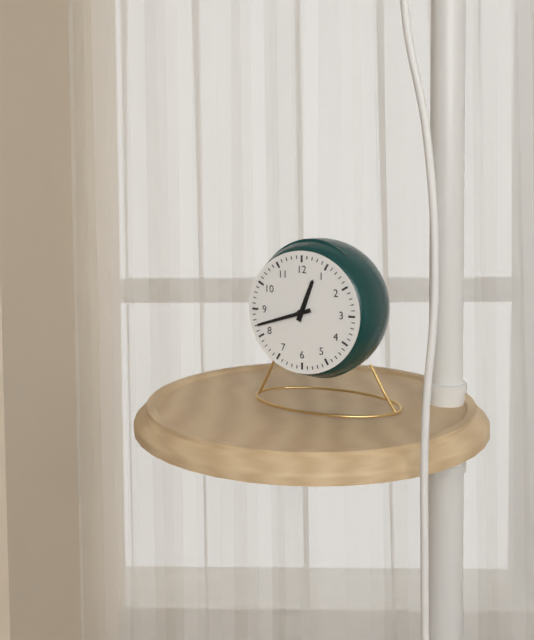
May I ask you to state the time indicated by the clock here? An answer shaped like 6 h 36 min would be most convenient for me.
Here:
12 h 42 min
